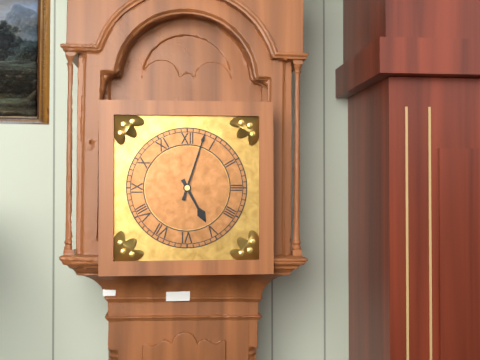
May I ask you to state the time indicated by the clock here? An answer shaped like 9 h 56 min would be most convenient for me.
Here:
5 h 03 min
